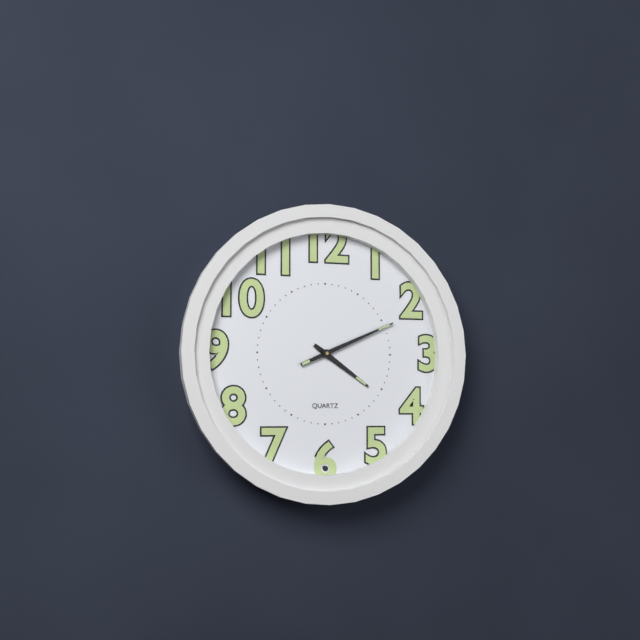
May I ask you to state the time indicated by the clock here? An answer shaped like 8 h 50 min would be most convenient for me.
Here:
4 h 11 min
